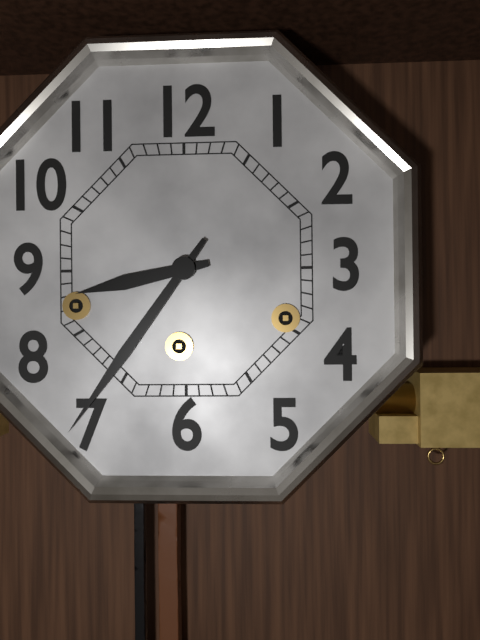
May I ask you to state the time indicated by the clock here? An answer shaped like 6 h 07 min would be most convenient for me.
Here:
8 h 36 min
